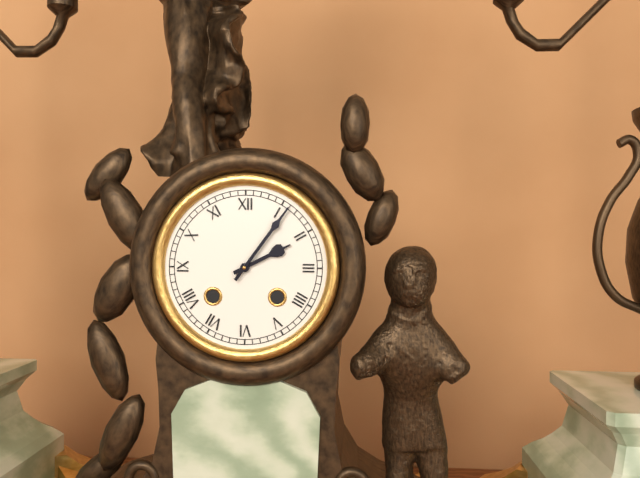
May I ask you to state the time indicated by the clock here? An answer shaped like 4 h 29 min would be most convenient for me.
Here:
2 h 06 min
